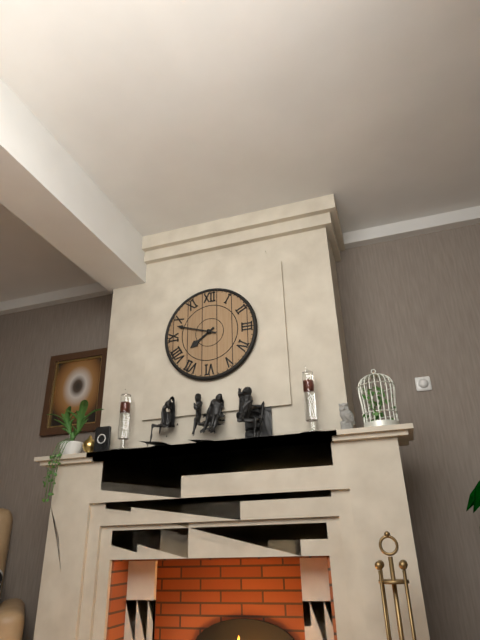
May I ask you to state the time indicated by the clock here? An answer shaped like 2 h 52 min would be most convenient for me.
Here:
7 h 48 min
